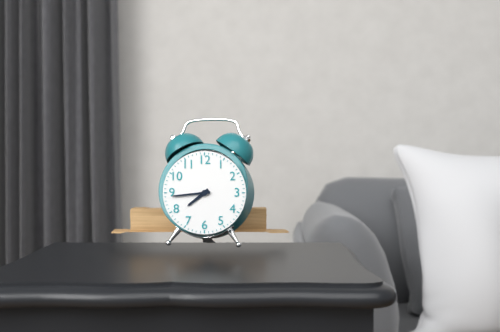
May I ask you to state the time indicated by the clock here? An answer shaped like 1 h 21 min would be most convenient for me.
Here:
7 h 44 min
